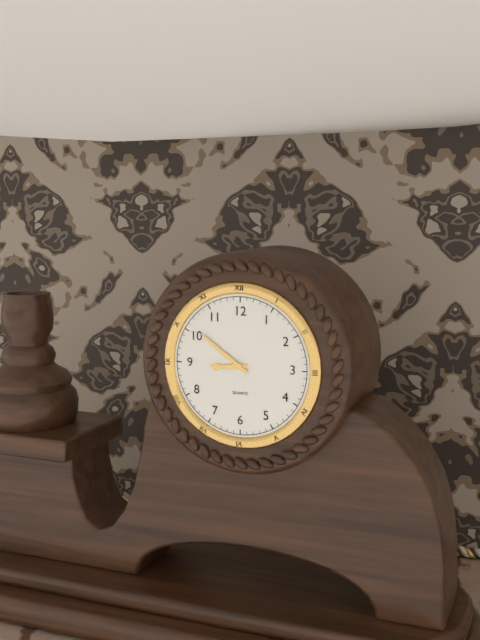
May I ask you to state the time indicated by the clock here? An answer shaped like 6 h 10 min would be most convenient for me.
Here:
8 h 51 min
